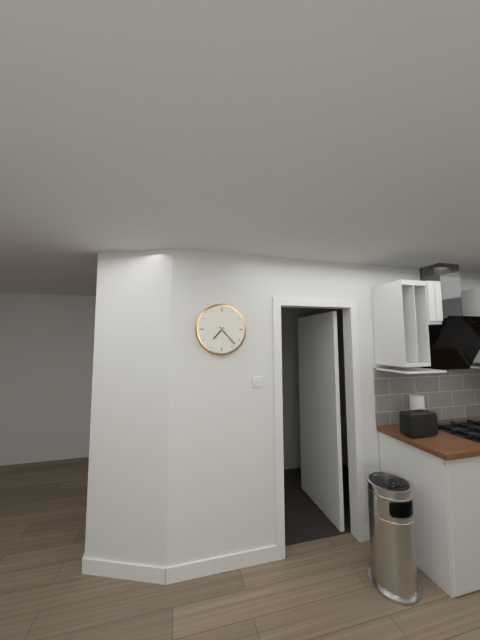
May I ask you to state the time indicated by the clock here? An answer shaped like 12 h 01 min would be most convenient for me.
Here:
7 h 23 min
